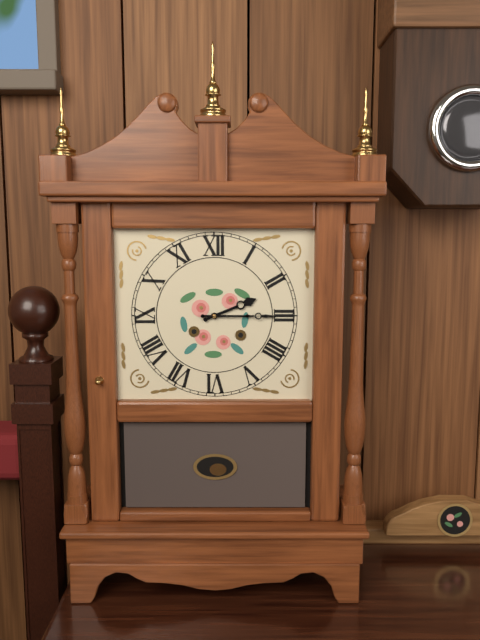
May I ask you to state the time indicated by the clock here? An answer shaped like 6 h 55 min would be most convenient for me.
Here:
2 h 15 min
